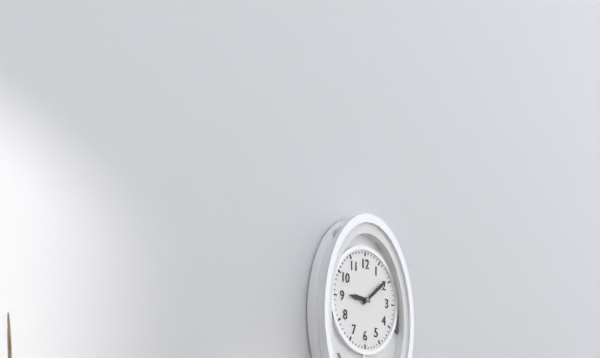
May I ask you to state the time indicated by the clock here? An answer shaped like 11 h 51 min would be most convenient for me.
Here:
9 h 09 min
